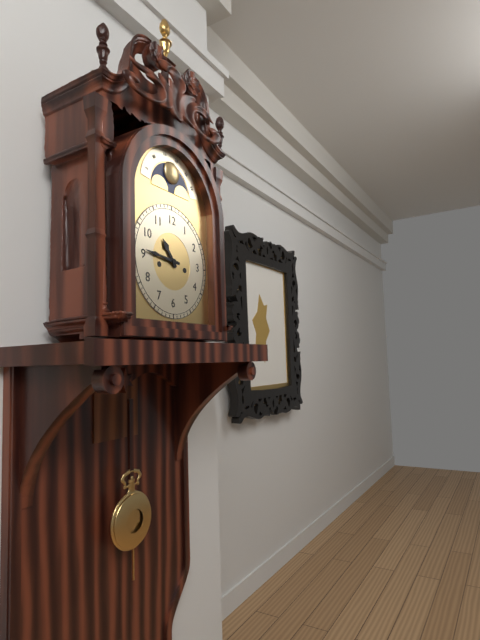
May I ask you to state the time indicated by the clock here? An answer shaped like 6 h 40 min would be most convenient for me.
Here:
10 h 46 min
